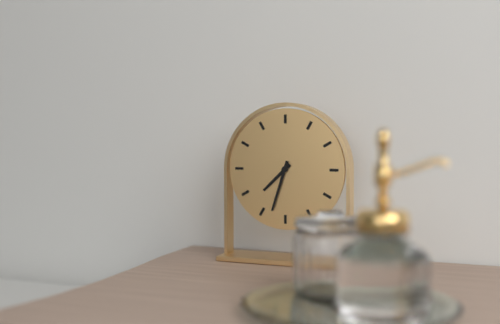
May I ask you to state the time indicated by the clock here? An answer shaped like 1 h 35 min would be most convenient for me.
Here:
7 h 33 min
